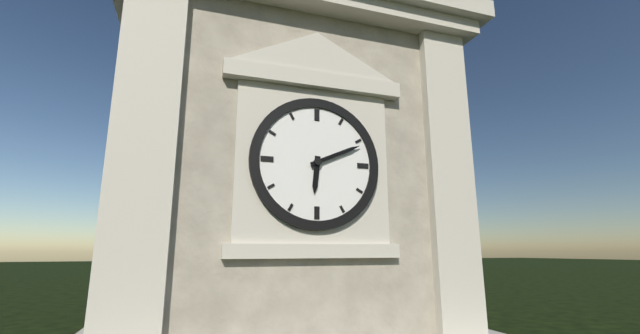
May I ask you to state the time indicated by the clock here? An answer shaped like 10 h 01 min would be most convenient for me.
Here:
6 h 11 min
